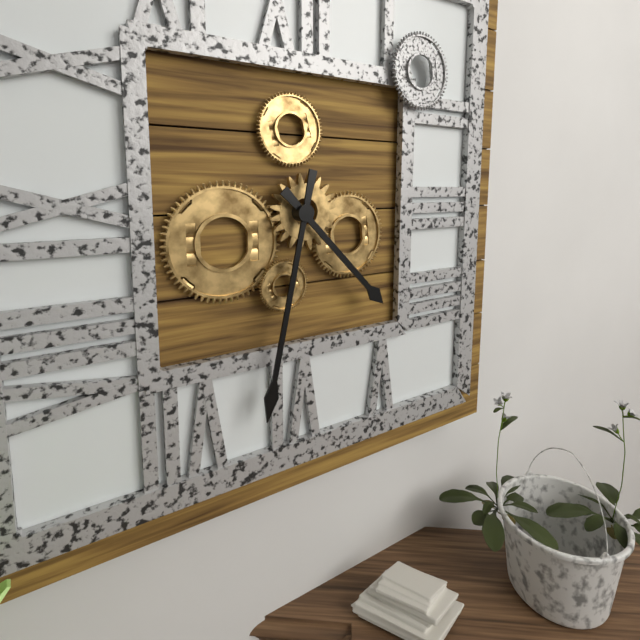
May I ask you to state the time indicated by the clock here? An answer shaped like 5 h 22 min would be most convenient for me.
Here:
4 h 32 min
